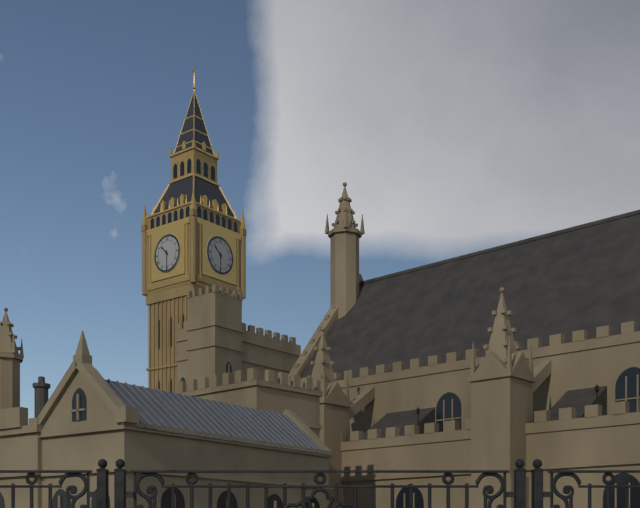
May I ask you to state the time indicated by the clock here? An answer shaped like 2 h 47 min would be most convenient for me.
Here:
10 h 30 min
